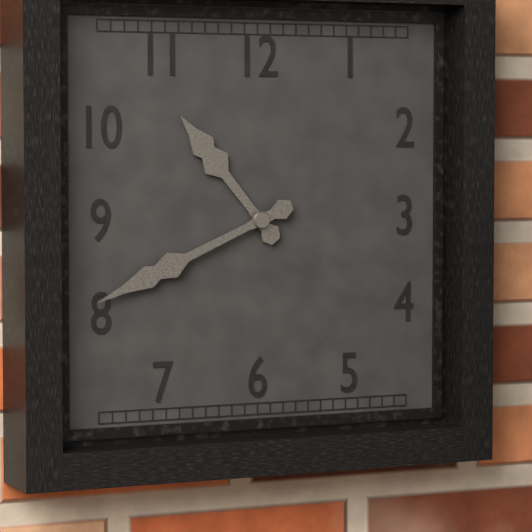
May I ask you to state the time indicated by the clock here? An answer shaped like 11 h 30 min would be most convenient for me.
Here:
10 h 41 min
